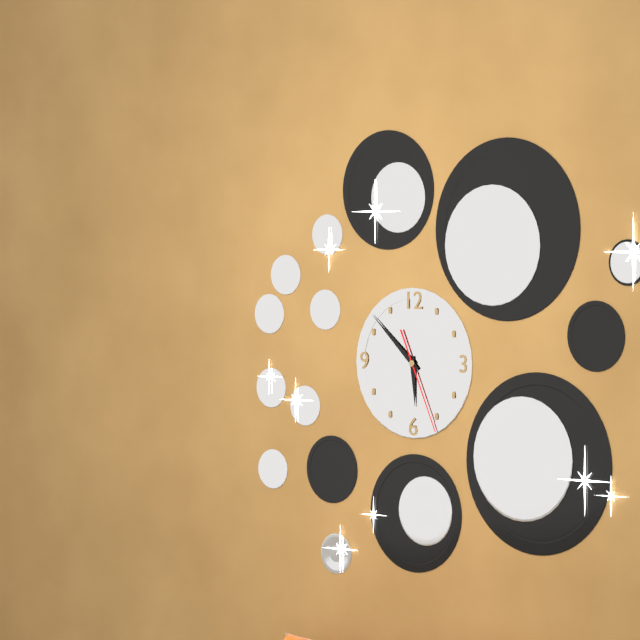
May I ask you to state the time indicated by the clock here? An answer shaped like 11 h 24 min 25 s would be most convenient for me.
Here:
5 h 52 min 26 s
